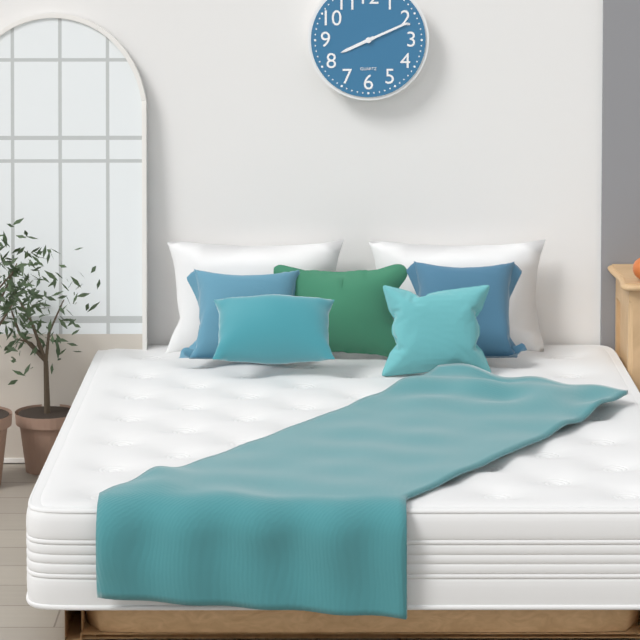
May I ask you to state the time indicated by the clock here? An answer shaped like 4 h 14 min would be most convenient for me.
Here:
8 h 11 min
